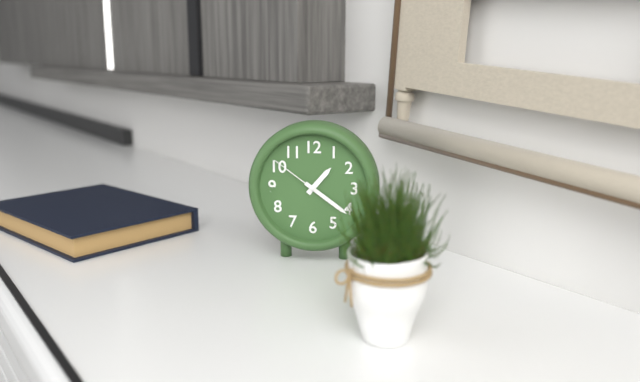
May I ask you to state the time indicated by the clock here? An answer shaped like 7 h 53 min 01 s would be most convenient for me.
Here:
1 h 21 min 51 s
